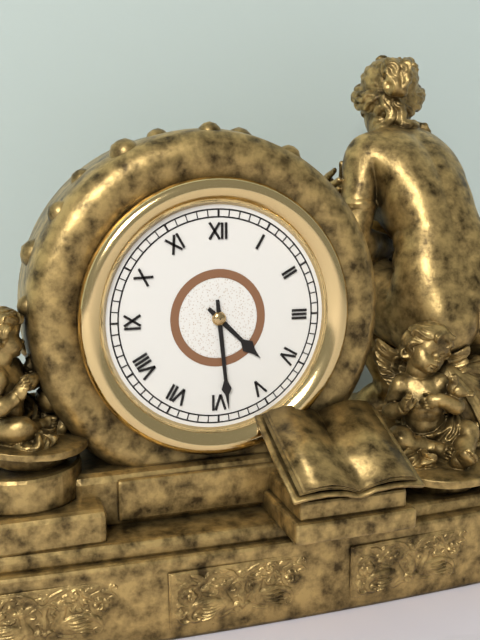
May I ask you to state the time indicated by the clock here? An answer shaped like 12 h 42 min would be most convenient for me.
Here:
4 h 29 min
